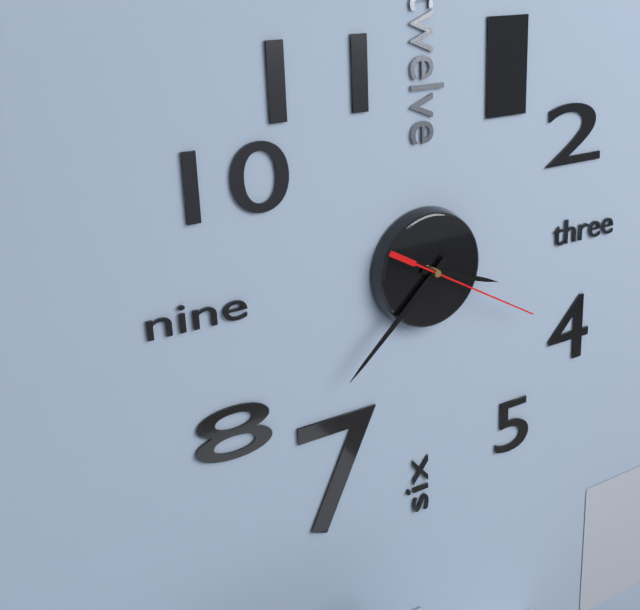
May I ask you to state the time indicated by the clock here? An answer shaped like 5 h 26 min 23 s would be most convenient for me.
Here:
3 h 38 min 20 s
